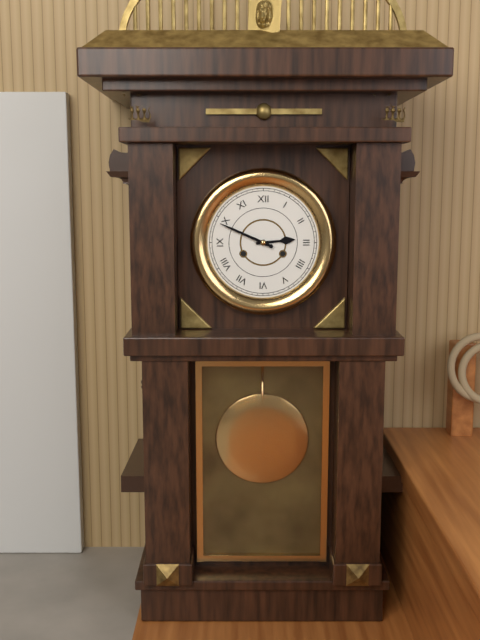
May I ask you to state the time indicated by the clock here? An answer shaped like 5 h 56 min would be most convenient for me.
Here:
2 h 49 min
